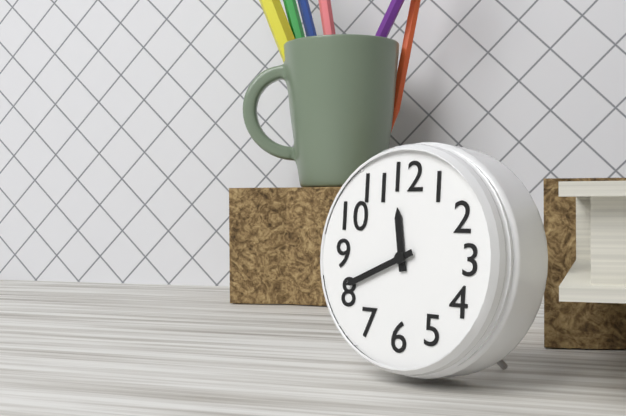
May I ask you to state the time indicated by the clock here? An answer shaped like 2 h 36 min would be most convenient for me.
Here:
11 h 41 min
